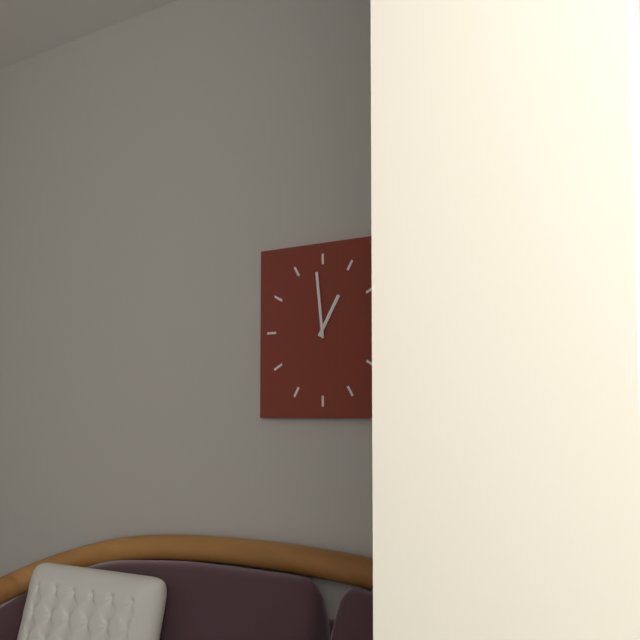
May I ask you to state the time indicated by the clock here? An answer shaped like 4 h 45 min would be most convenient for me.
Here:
12 h 59 min
